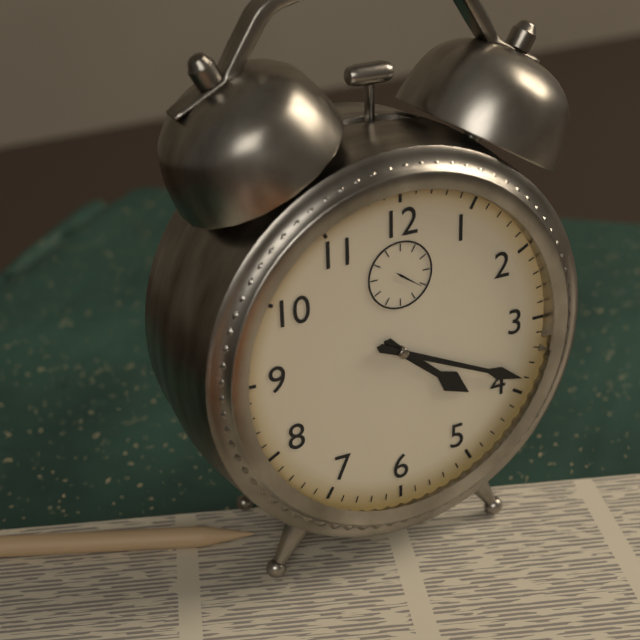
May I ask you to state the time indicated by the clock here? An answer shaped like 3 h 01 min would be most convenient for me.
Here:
4 h 19 min
